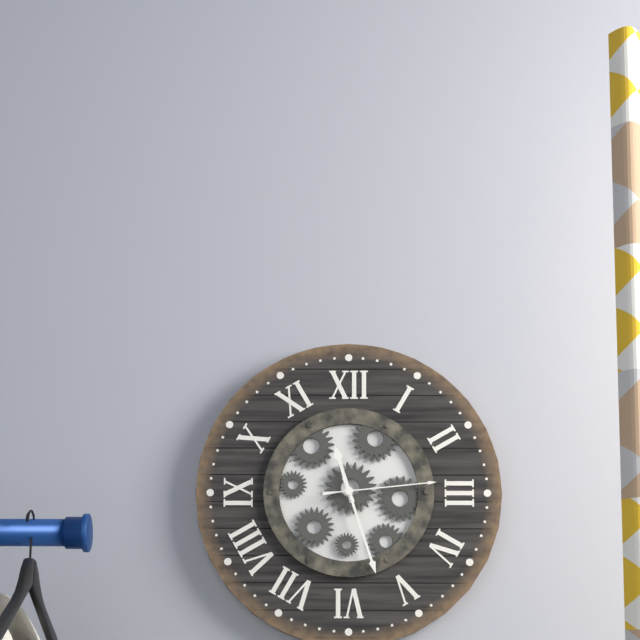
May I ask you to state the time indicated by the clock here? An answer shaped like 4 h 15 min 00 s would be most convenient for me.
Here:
11 h 27 min 14 s
